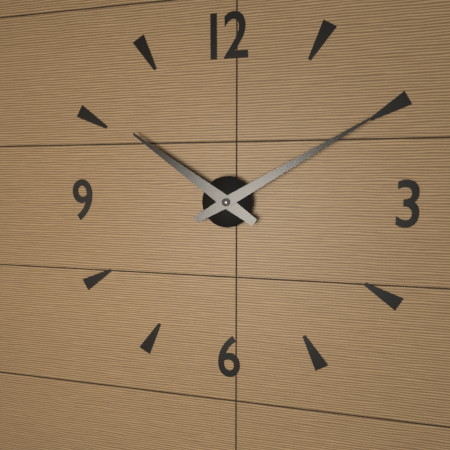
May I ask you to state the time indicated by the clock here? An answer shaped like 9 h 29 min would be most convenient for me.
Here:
10 h 10 min
